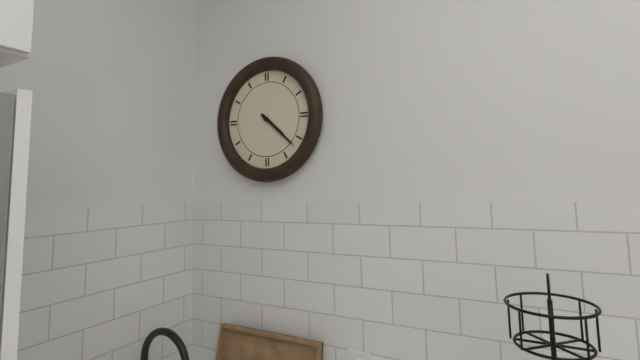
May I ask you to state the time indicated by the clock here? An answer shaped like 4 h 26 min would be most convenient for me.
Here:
4 h 22 min
